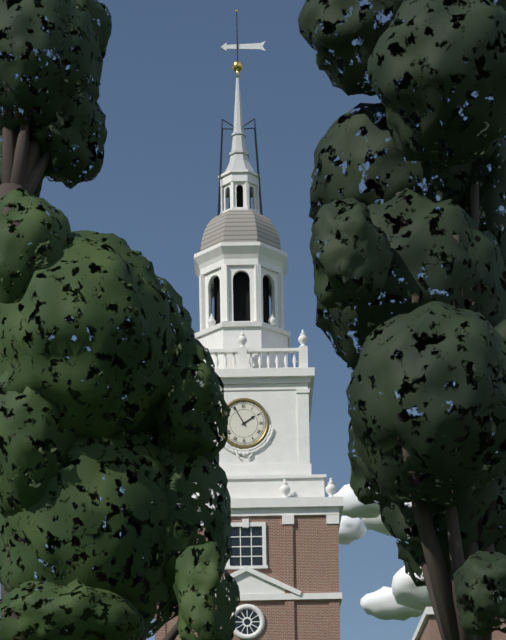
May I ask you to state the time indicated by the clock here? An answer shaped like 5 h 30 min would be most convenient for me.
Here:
1 h 55 min
